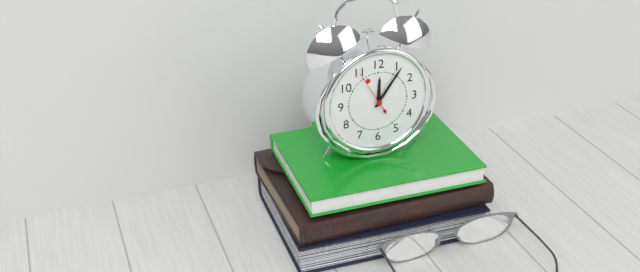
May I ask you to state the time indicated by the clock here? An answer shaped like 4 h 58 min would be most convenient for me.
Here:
12 h 06 min
